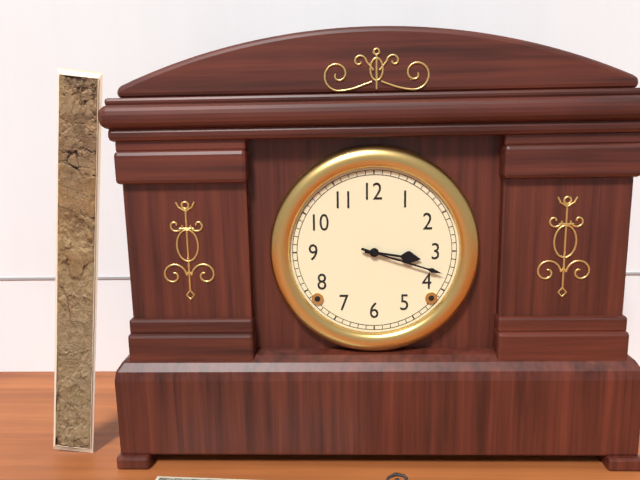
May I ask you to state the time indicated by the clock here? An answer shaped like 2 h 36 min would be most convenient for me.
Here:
3 h 18 min
